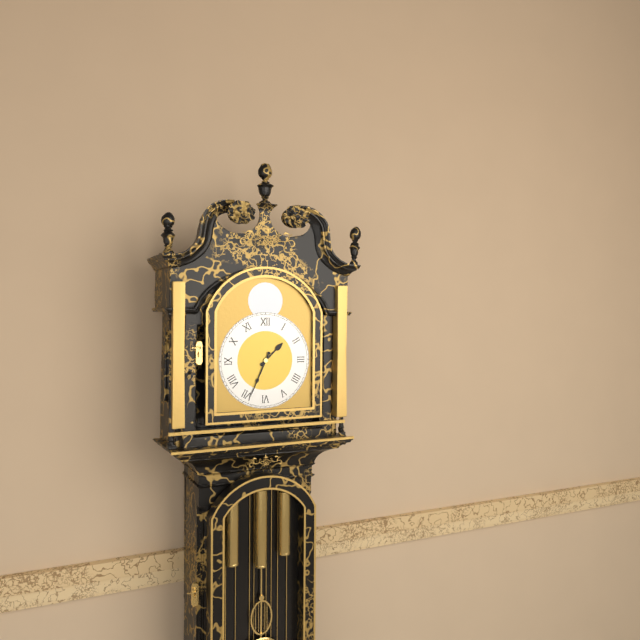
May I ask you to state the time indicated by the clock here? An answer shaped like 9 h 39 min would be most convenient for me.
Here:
1 h 34 min
